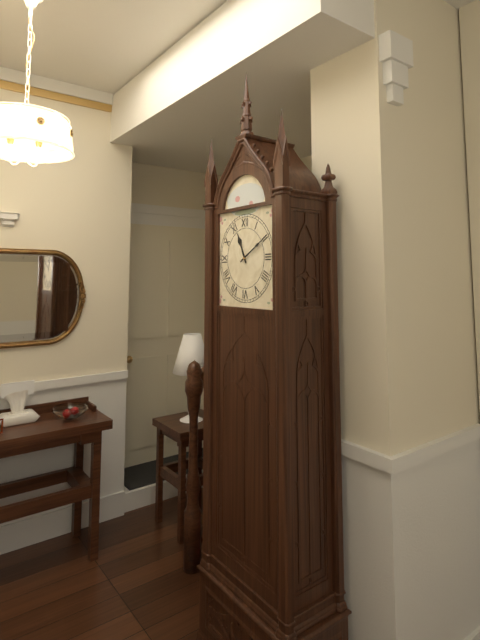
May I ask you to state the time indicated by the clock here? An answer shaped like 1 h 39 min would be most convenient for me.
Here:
11 h 10 min
